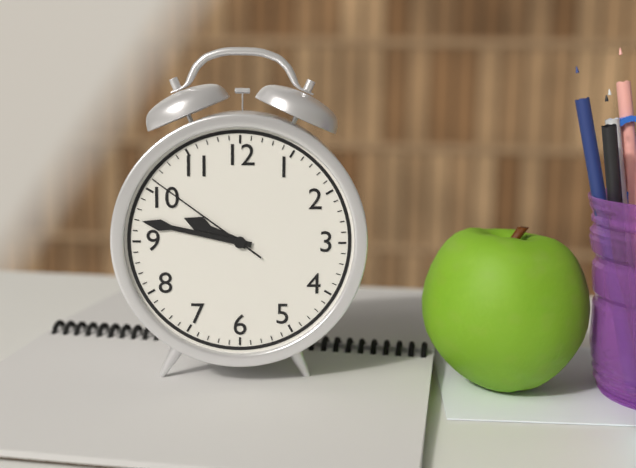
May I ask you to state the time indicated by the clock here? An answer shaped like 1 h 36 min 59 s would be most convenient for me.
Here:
9 h 47 min 51 s
